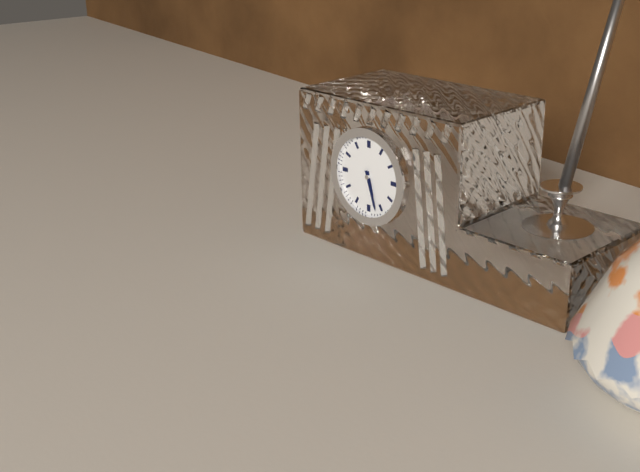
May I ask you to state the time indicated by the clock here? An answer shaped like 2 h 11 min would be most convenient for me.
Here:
5 h 27 min
